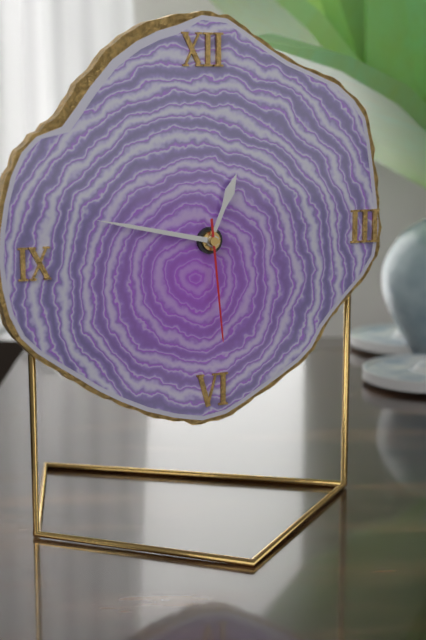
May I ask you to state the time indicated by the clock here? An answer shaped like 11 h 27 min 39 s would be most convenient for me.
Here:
12 h 47 min 29 s
